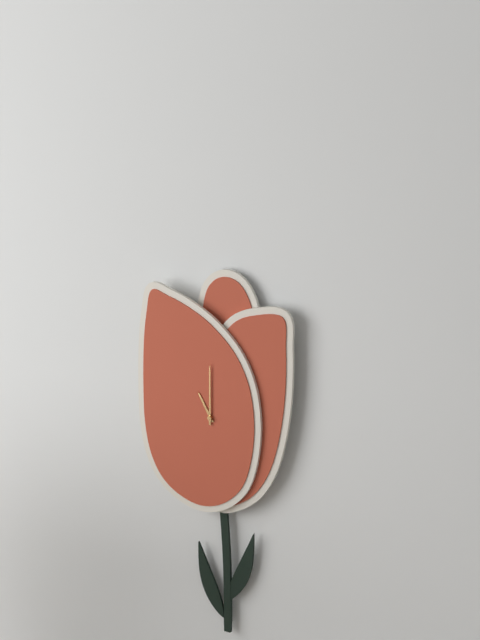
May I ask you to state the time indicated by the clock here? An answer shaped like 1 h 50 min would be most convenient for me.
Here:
11 h 00 min
